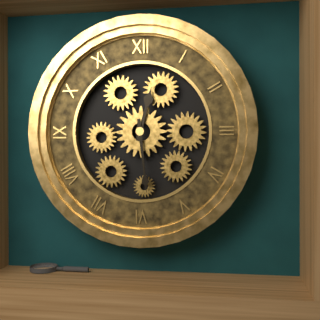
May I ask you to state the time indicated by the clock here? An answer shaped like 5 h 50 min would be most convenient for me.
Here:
12 h 29 min
